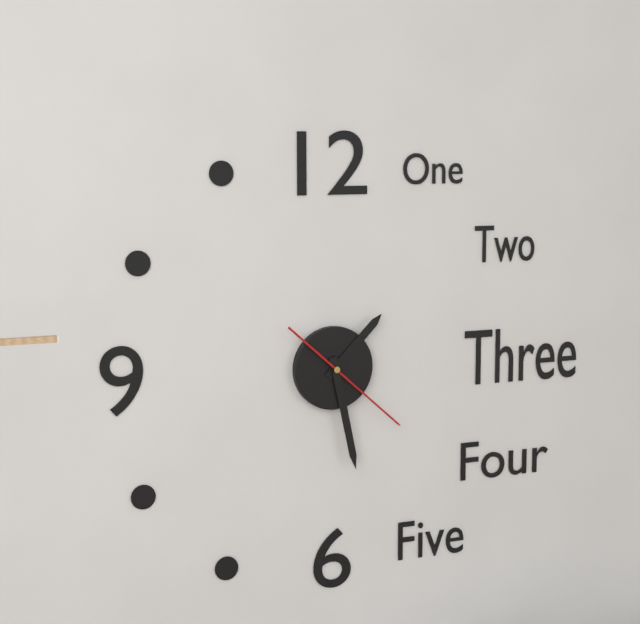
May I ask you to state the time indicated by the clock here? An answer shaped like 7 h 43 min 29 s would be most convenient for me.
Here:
1 h 28 min 22 s
